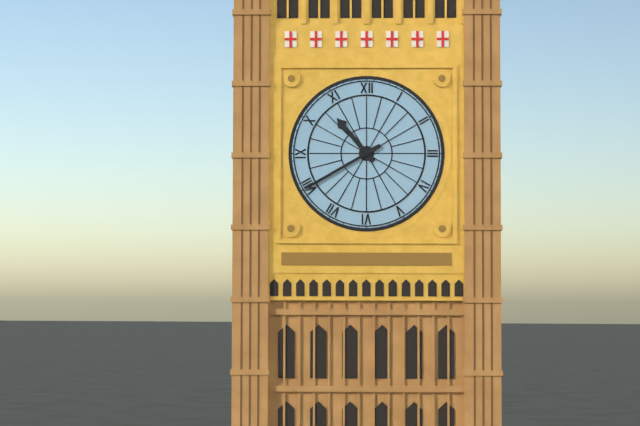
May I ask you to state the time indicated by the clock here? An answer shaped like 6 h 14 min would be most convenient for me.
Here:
10 h 40 min
